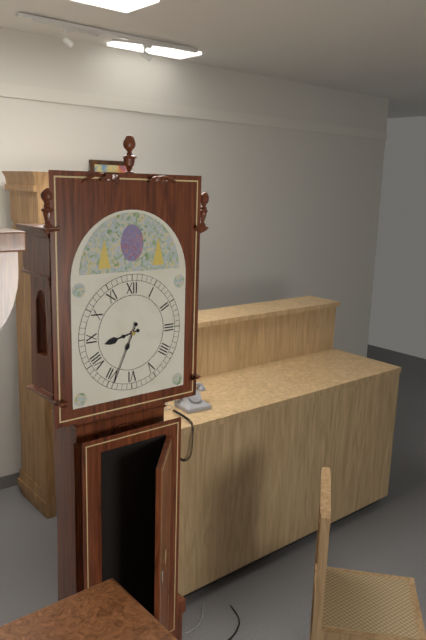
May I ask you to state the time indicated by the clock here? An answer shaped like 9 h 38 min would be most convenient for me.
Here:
8 h 34 min
